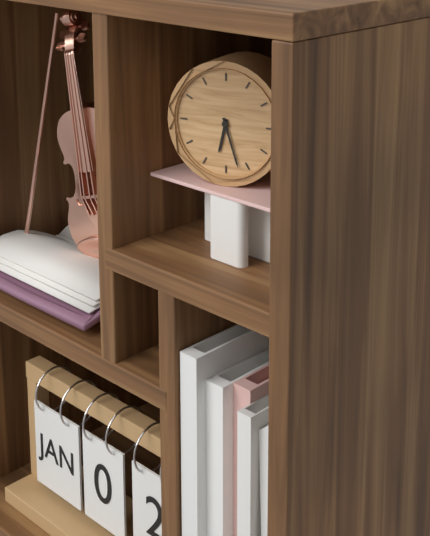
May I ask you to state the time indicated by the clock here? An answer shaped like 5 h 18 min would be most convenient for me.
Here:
6 h 27 min
